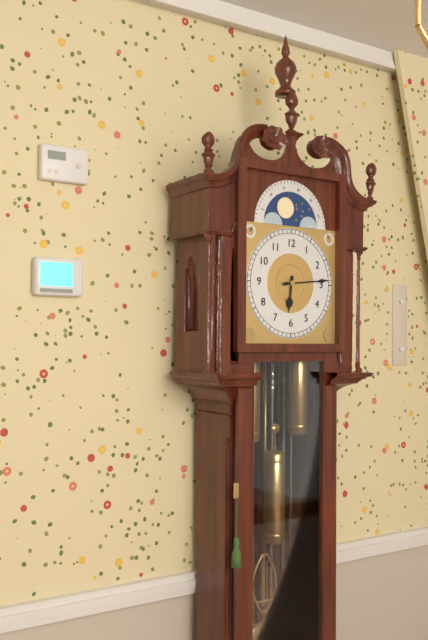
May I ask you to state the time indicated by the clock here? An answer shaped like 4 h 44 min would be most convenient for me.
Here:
6 h 14 min
